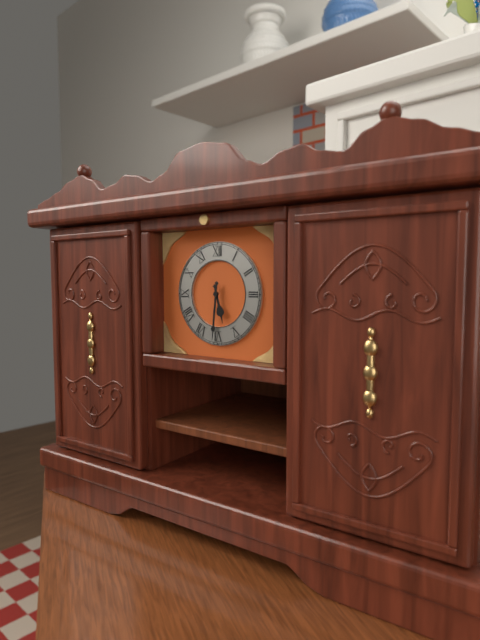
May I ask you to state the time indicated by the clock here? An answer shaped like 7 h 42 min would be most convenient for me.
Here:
5 h 31 min
